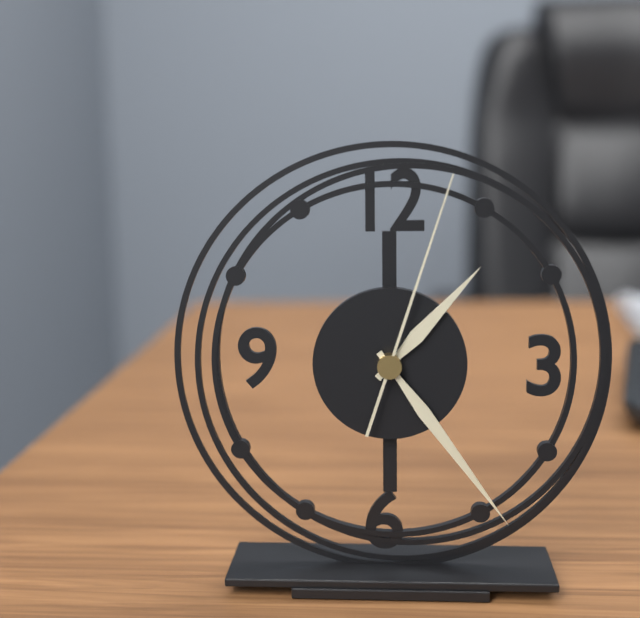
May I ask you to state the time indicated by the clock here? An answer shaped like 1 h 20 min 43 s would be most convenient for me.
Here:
1 h 24 min 03 s
